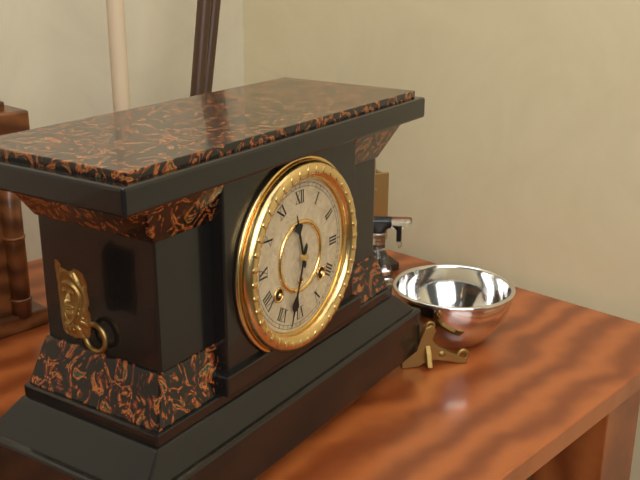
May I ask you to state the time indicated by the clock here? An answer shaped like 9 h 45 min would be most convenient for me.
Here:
11 h 33 min
